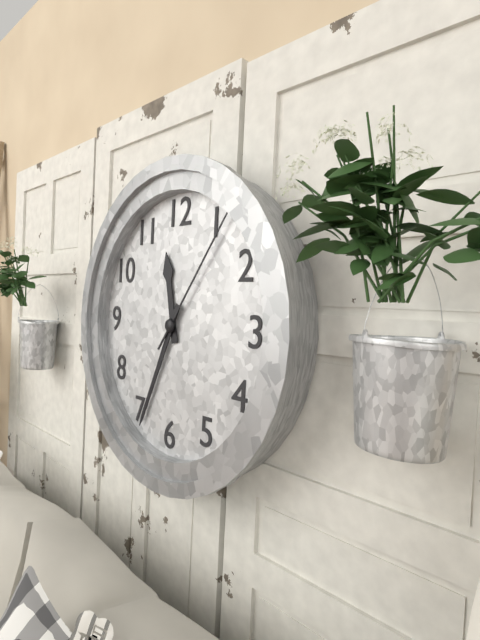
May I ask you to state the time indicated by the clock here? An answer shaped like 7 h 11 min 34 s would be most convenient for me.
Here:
11 h 34 min 06 s
